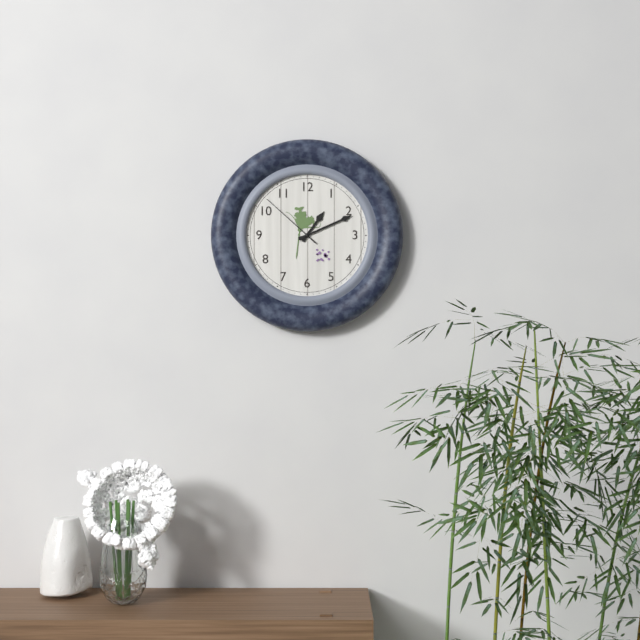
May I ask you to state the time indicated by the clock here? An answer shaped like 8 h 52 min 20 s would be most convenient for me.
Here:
1 h 11 min 52 s
